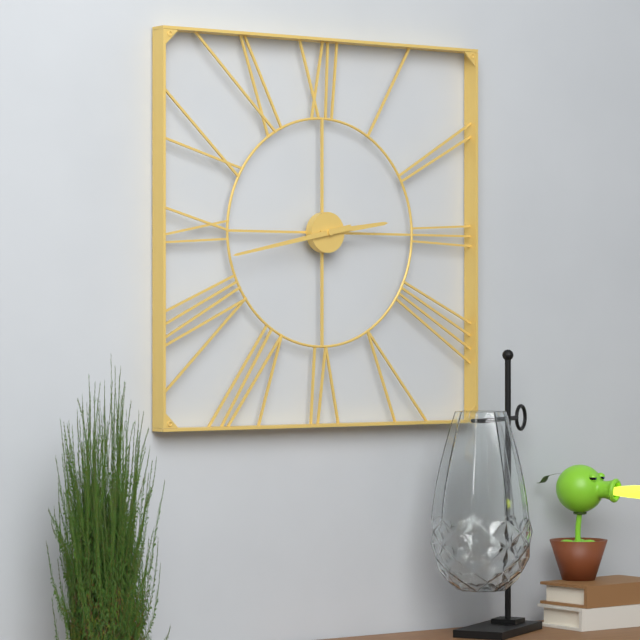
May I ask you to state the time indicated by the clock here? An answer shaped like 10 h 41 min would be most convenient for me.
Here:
2 h 43 min
